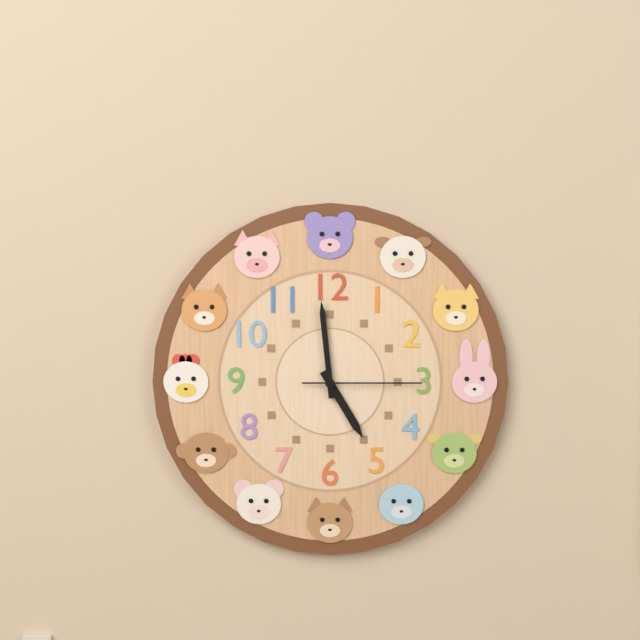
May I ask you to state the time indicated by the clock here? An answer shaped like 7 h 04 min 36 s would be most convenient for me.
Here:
4 h 59 min 15 s
